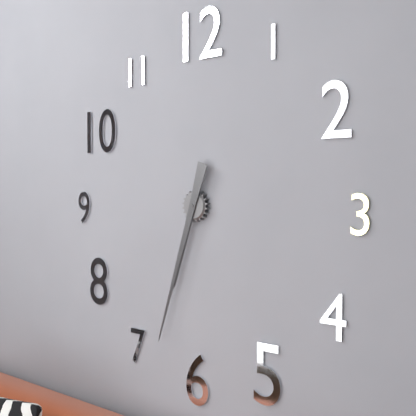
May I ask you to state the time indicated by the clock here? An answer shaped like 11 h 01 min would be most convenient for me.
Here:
6 h 33 min
